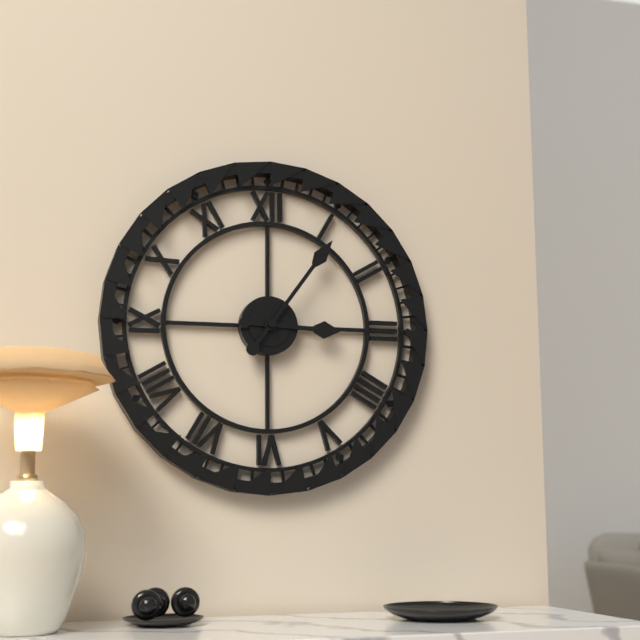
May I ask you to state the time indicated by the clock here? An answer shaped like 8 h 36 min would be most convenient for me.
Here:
3 h 06 min
